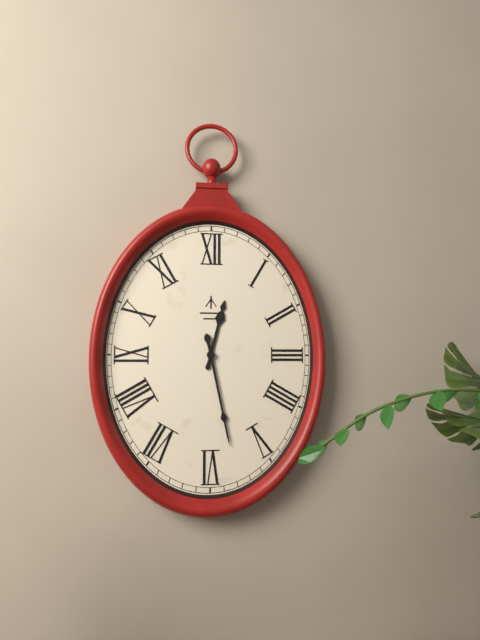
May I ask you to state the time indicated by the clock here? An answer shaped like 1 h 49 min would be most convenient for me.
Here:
12 h 28 min
